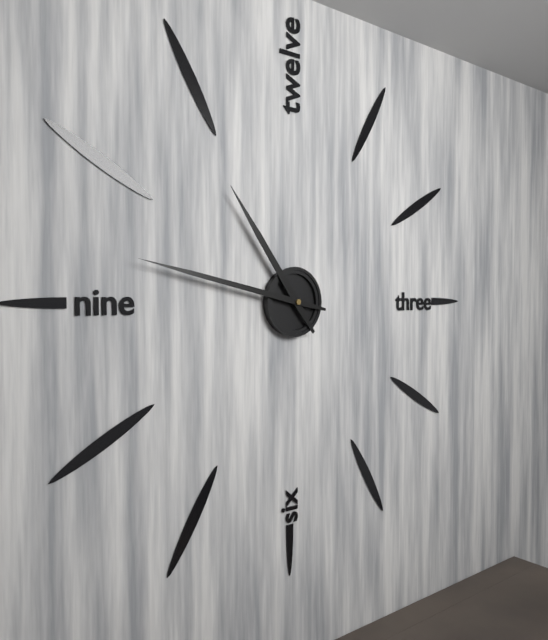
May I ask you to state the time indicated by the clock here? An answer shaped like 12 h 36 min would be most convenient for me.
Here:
10 h 47 min
